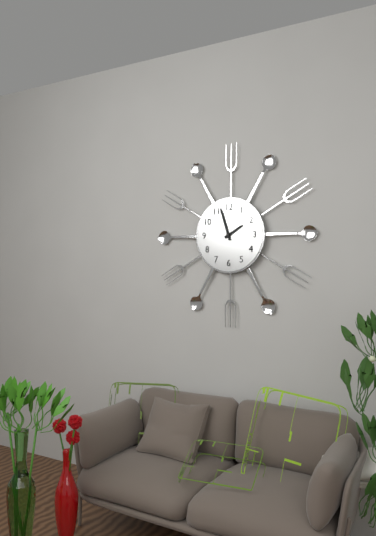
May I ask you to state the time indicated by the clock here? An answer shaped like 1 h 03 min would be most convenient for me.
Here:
1 h 57 min
